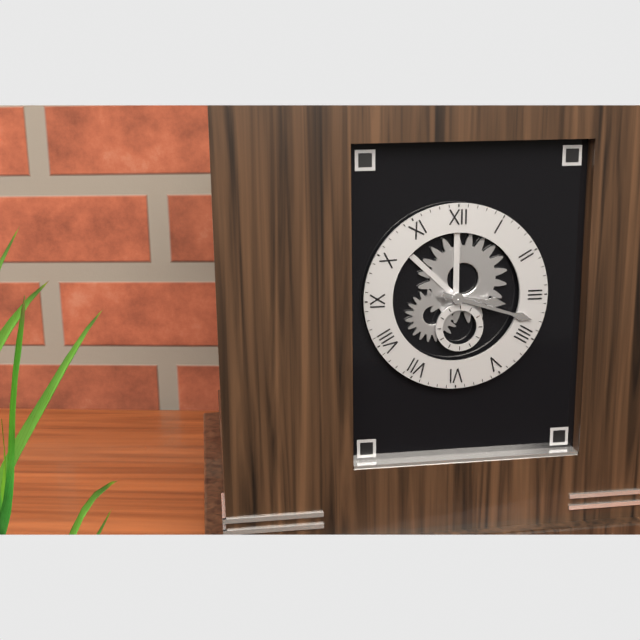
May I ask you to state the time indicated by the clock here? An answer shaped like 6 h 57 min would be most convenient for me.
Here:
3 h 18 min
